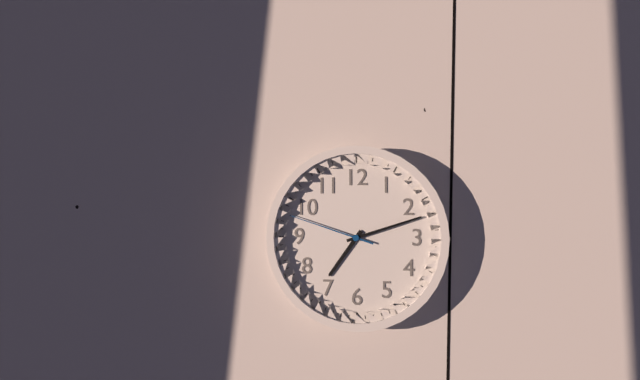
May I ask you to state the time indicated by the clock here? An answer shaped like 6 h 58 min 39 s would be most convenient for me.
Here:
7 h 12 min 48 s
